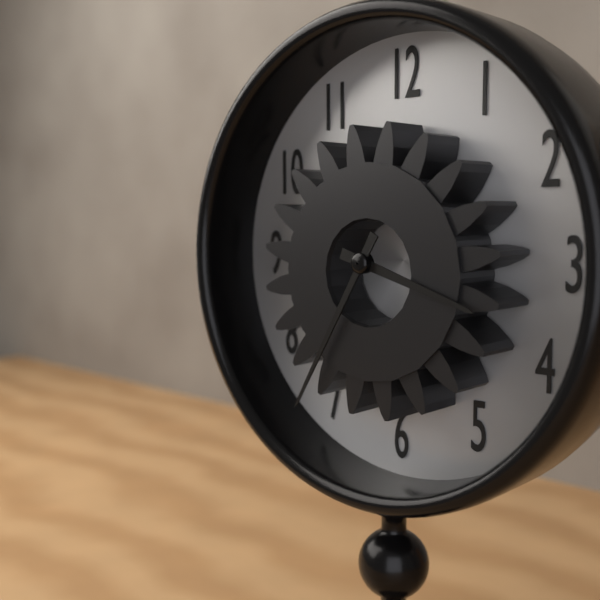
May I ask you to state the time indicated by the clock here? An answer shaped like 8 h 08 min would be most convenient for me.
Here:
3 h 35 min
